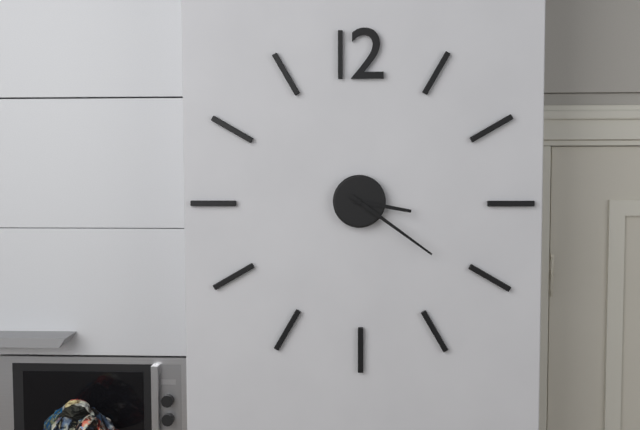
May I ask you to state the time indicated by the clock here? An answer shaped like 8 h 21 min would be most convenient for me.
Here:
3 h 21 min
